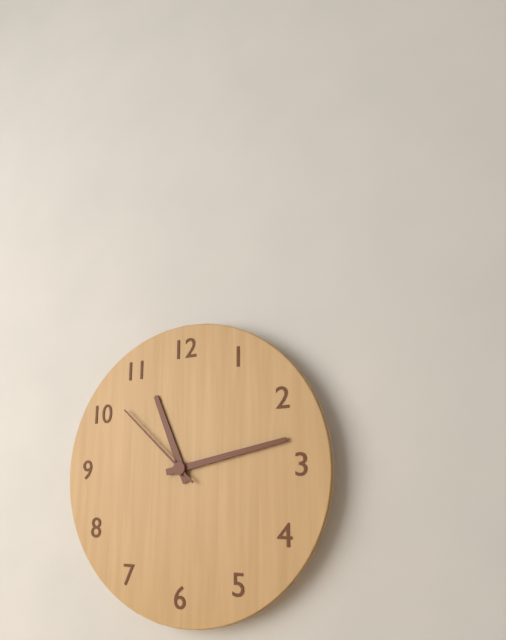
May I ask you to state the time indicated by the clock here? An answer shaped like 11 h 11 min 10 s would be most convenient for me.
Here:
11 h 13 min 52 s
